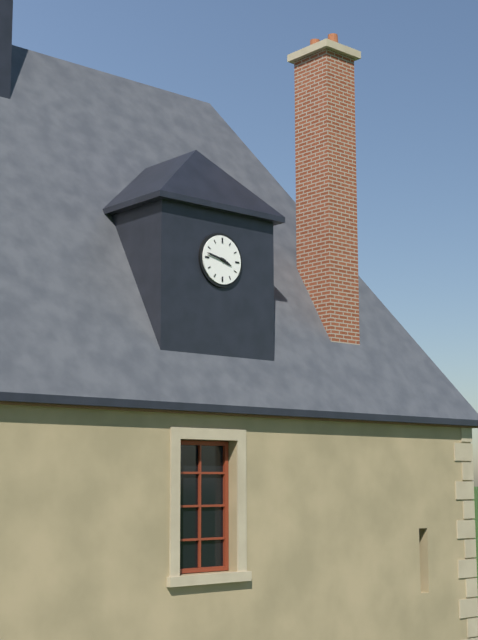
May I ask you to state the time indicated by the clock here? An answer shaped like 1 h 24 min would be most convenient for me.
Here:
3 h 47 min
